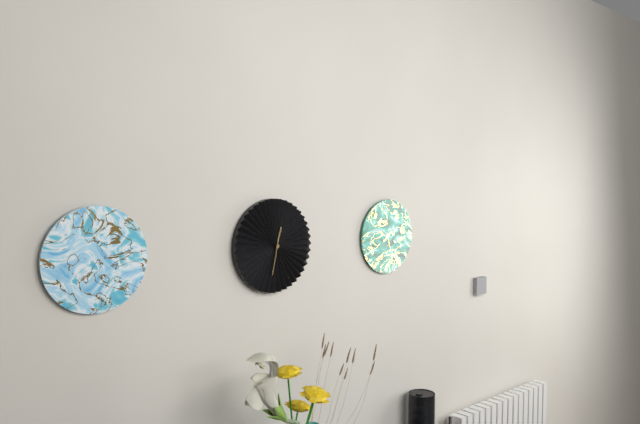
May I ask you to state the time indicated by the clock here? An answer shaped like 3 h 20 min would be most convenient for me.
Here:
12 h 32 min
